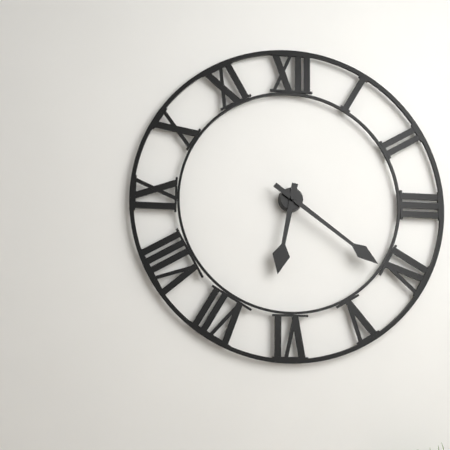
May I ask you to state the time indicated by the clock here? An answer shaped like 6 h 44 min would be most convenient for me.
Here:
6 h 21 min
